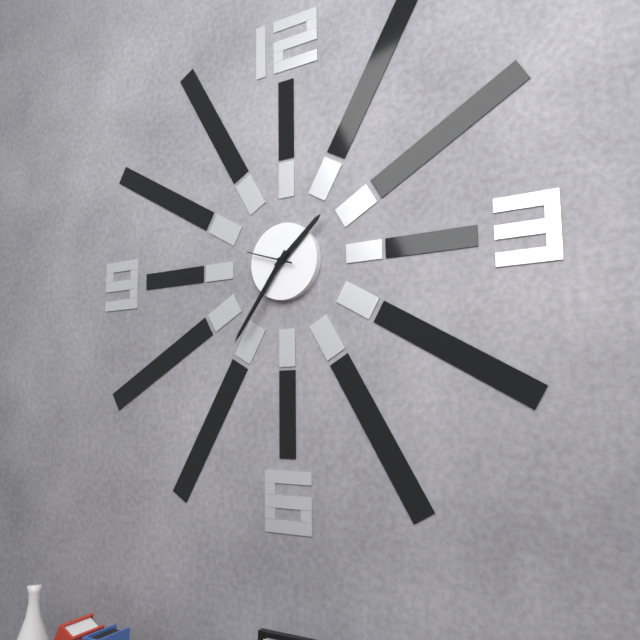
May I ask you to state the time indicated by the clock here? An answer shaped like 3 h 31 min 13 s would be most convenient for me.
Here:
1 h 36 min 48 s
